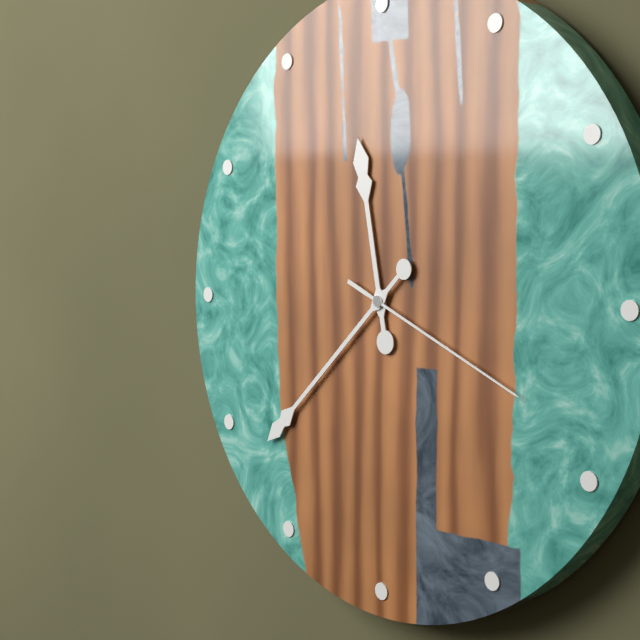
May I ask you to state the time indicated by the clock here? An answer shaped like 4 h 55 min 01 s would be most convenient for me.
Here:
11 h 38 min 19 s
